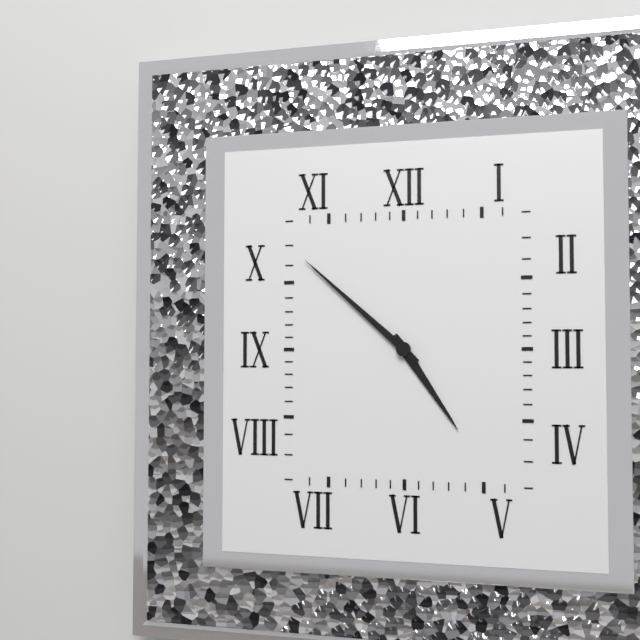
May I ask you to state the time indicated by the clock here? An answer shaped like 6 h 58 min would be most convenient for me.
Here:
4 h 52 min
